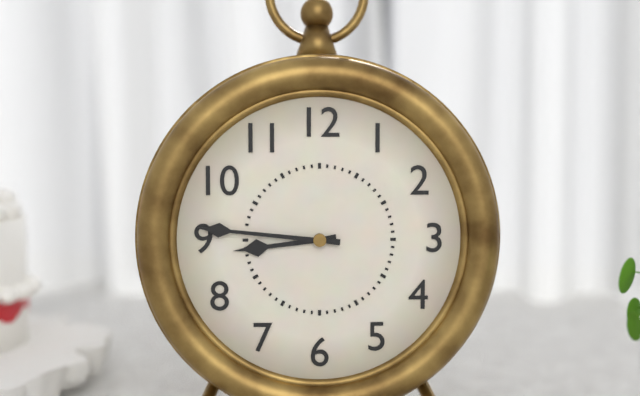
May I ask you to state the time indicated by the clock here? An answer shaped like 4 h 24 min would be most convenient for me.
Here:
8 h 46 min
